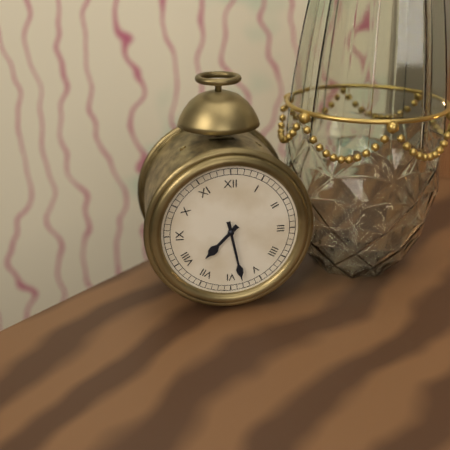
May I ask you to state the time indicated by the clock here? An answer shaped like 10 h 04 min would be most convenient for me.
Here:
7 h 28 min
